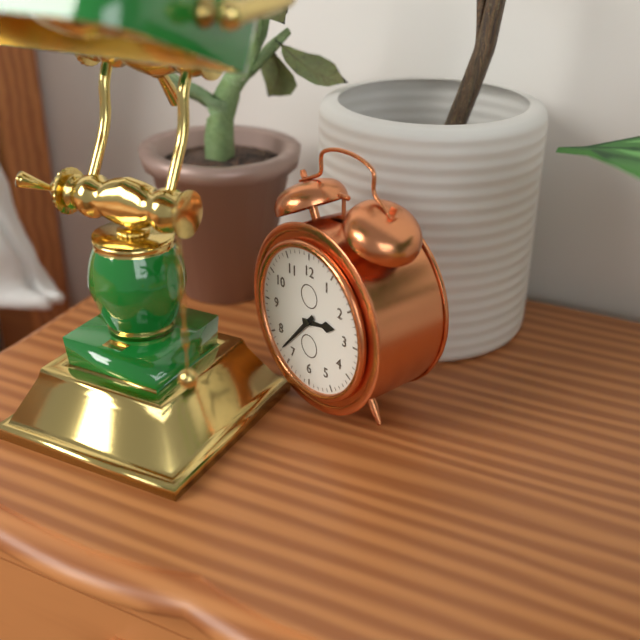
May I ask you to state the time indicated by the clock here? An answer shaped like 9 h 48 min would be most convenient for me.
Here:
2 h 37 min
